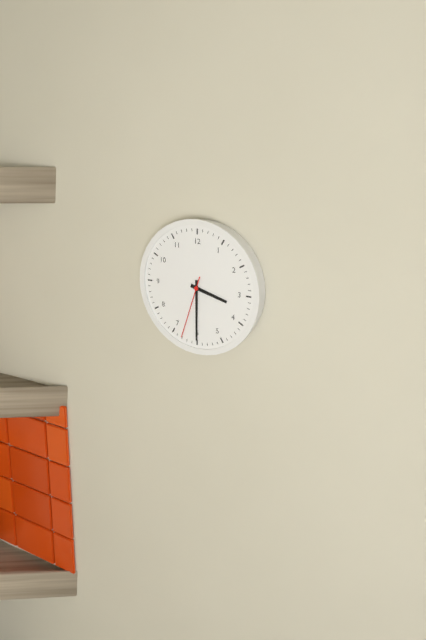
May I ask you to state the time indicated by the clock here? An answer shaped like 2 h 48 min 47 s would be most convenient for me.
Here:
3 h 30 min 33 s
